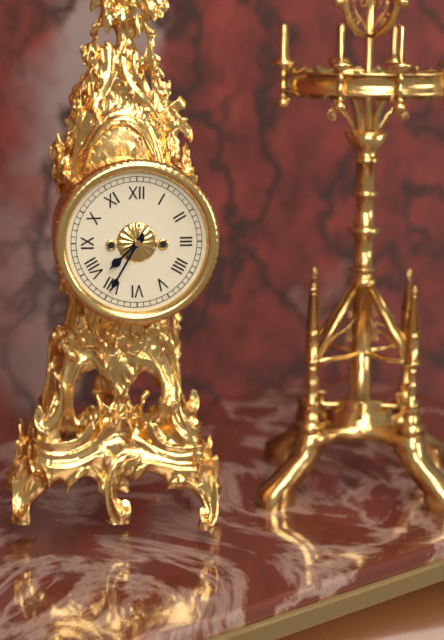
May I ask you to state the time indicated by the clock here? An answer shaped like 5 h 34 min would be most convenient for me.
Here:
7 h 35 min
